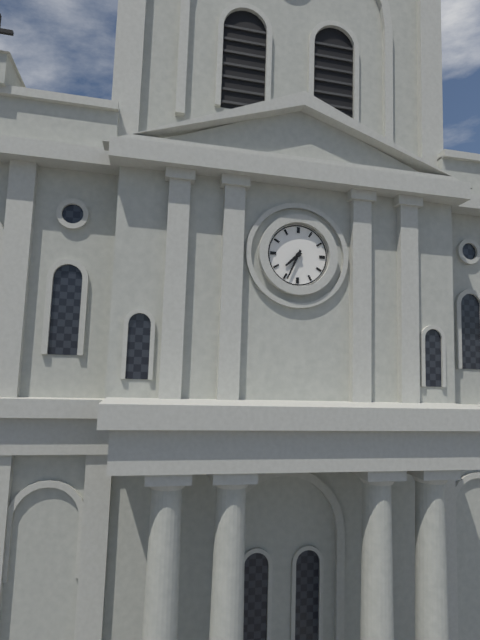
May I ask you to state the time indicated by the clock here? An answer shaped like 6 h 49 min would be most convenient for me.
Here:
7 h 34 min
